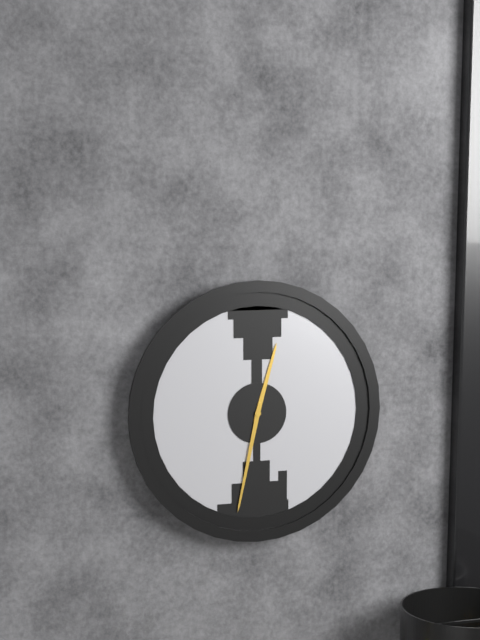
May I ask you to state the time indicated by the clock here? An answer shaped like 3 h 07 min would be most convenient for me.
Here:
12 h 32 min
